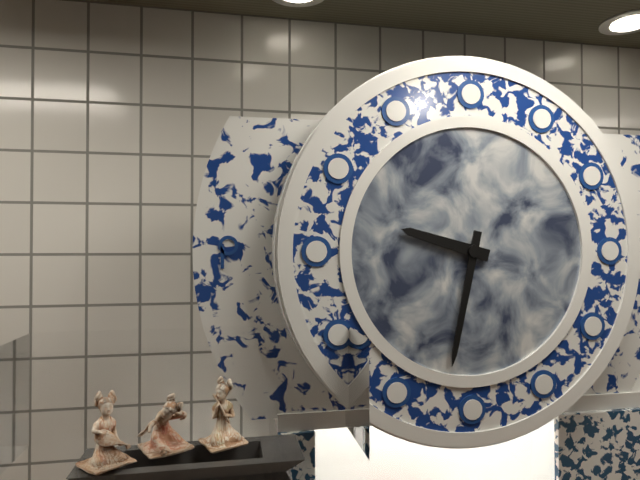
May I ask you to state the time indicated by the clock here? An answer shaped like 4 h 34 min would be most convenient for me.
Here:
9 h 32 min
